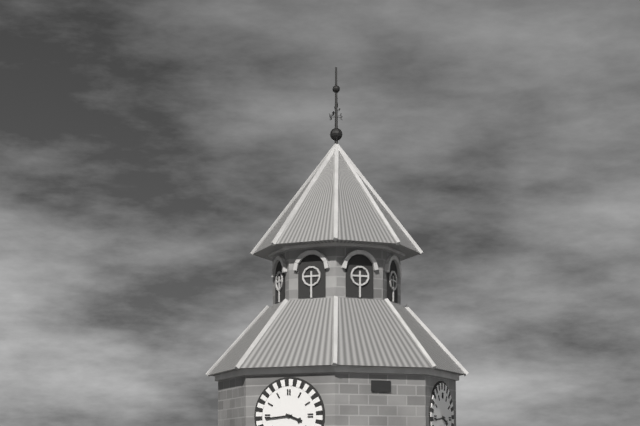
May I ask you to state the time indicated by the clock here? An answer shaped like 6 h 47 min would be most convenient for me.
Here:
3 h 44 min
